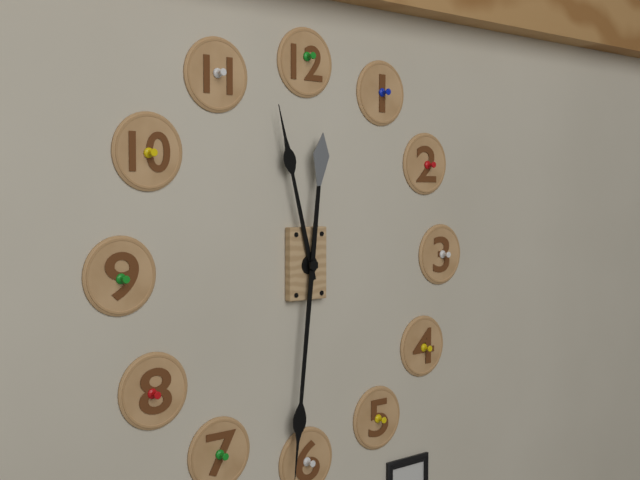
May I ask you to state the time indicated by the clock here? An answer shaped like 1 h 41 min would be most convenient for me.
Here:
11 h 31 min
